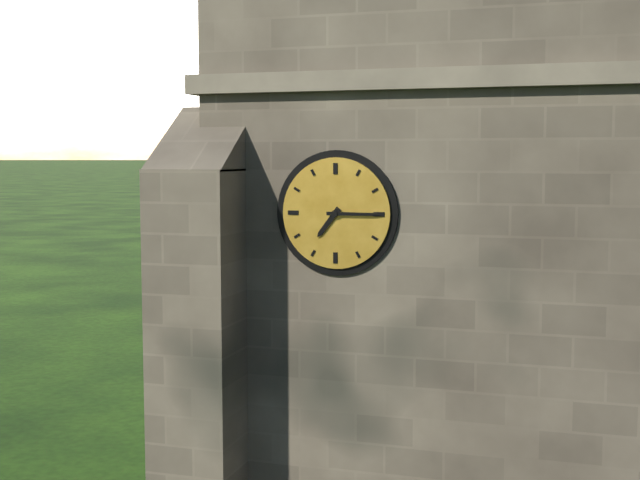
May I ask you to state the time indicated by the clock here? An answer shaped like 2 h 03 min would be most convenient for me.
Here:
7 h 15 min
